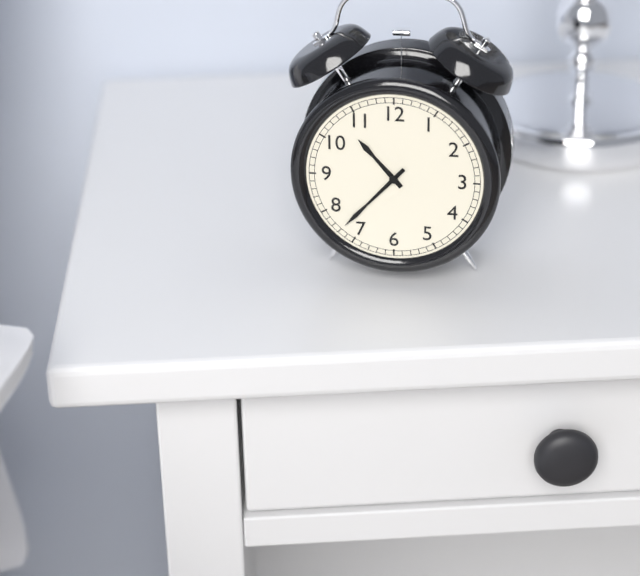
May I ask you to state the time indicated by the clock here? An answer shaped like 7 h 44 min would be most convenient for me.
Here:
10 h 37 min
